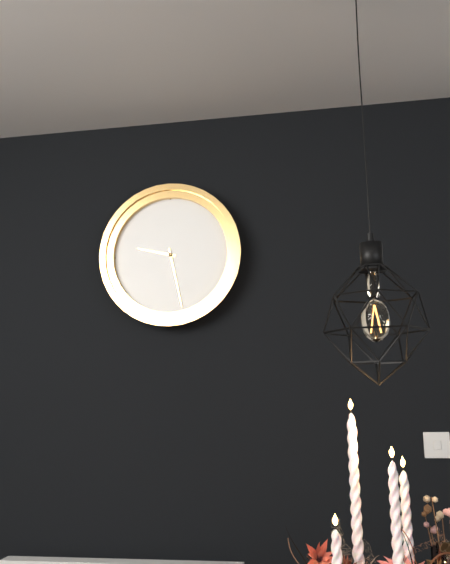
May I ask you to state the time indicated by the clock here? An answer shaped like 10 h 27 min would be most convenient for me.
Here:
9 h 28 min
